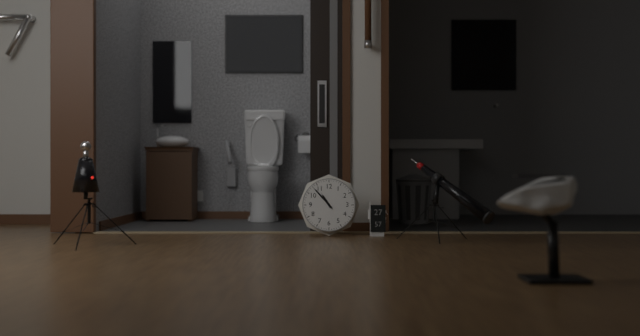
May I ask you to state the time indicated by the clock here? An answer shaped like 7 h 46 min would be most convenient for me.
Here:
10 h 53 min
